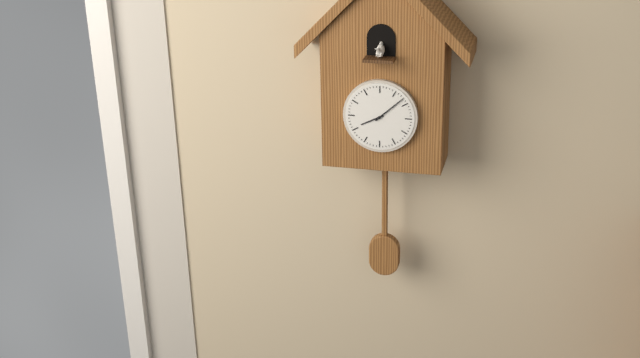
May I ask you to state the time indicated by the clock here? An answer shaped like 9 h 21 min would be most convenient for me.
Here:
8 h 08 min
